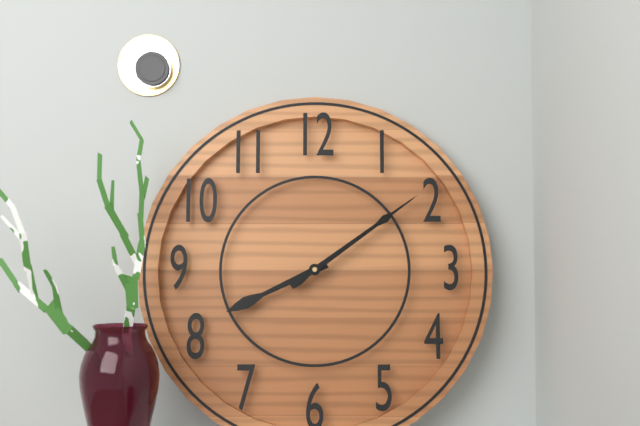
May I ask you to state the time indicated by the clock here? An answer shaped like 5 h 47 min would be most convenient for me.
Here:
8 h 09 min
